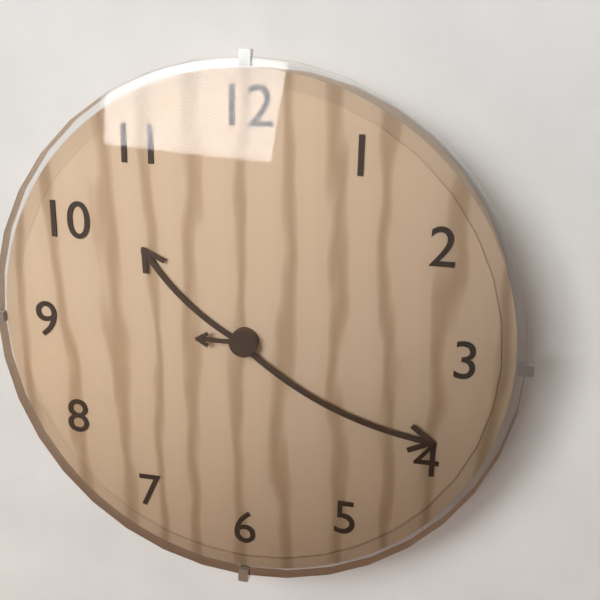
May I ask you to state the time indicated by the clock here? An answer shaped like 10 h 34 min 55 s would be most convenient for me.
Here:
10 h 19 min 45 s
